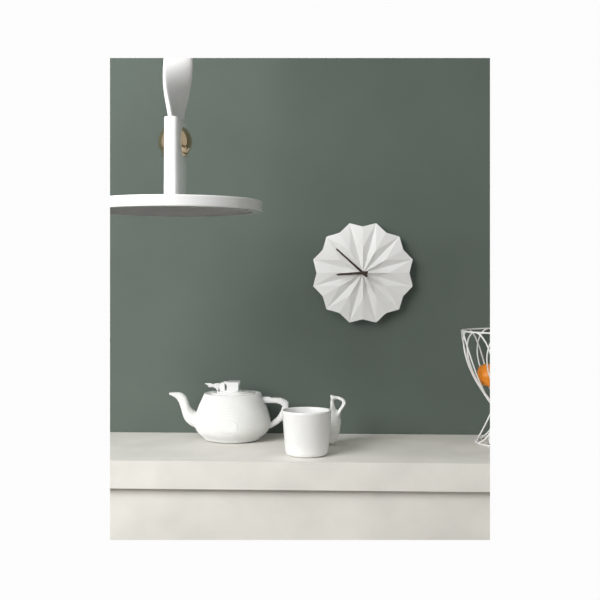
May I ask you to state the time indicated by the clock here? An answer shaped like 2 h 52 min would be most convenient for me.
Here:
8 h 52 min
